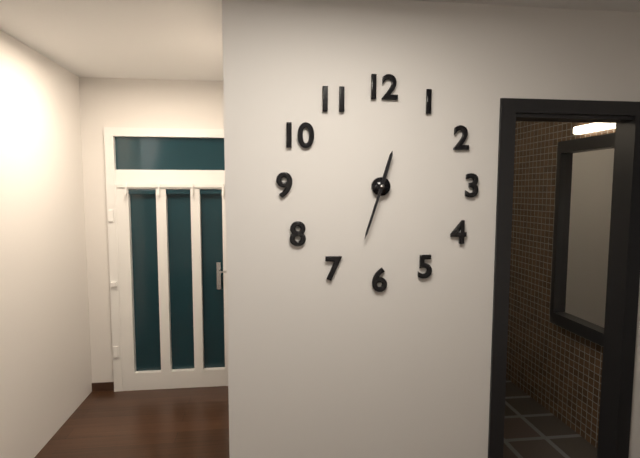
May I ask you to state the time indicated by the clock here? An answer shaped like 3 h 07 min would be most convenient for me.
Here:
12 h 33 min
